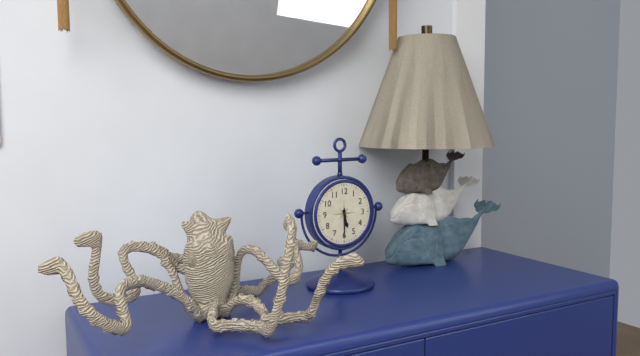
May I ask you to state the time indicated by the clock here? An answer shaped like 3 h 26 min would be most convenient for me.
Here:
5 h 30 min
